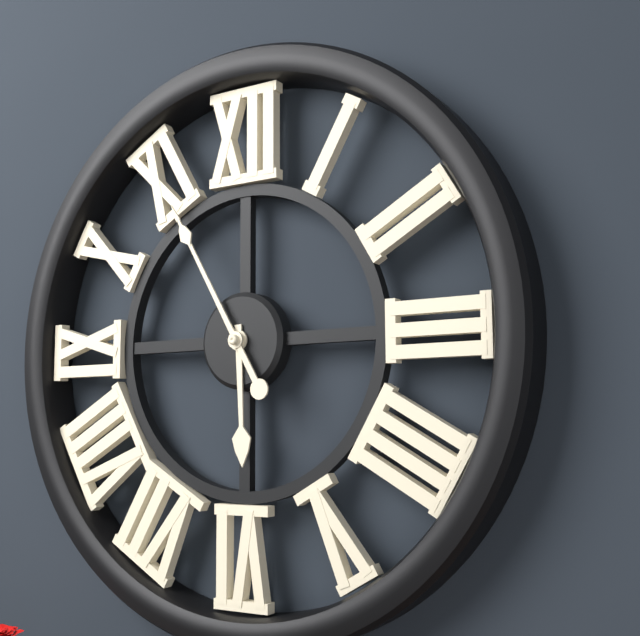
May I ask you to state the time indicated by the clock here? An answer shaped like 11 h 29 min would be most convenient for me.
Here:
5 h 55 min
